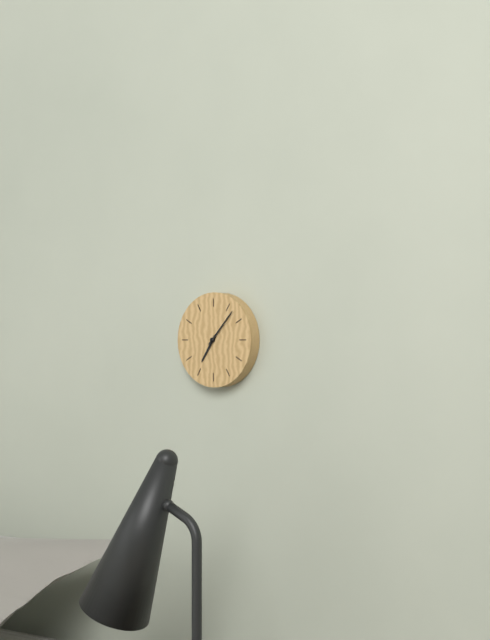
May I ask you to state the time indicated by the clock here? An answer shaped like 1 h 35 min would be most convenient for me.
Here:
7 h 07 min
